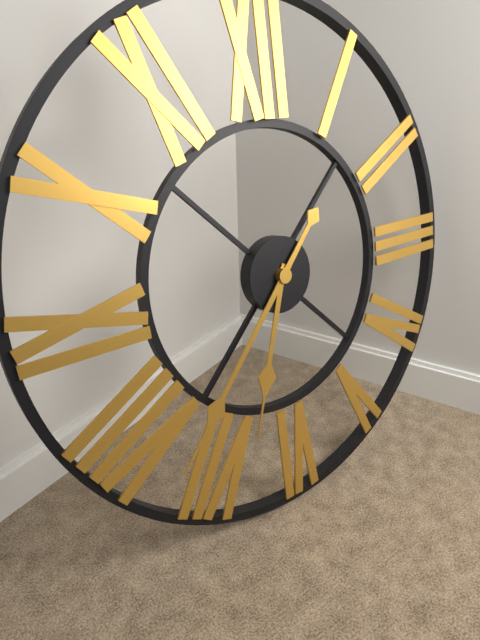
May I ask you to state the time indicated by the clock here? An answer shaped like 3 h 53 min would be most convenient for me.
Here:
6 h 37 min
